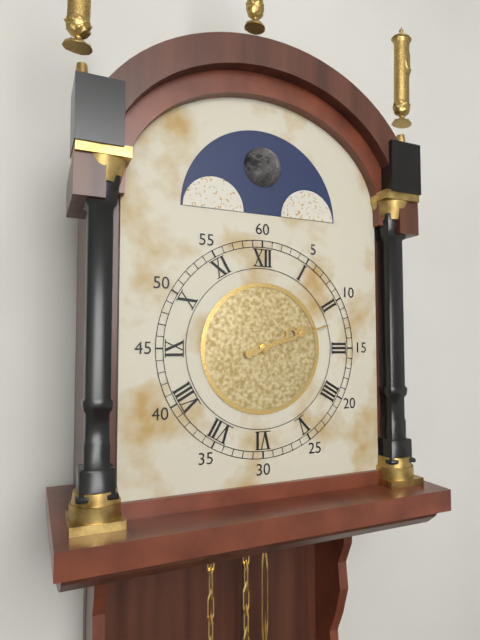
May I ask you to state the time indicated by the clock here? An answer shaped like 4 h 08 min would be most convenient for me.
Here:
2 h 12 min
